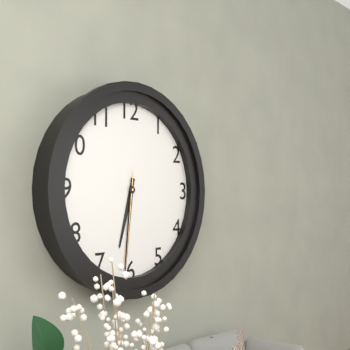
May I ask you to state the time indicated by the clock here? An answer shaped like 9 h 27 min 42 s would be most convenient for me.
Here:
6 h 31 min 31 s
